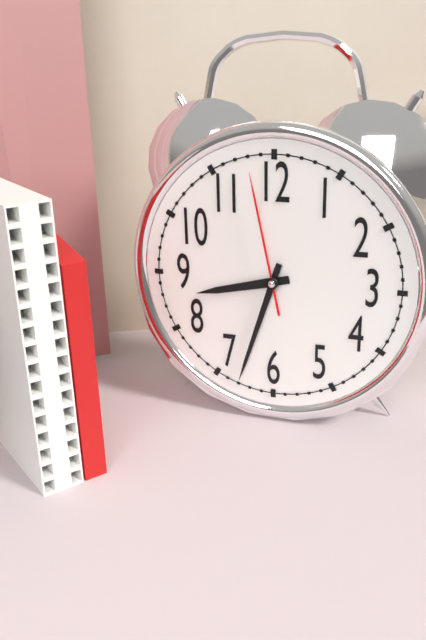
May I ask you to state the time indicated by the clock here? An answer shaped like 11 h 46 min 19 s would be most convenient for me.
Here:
8 h 33 min 58 s
